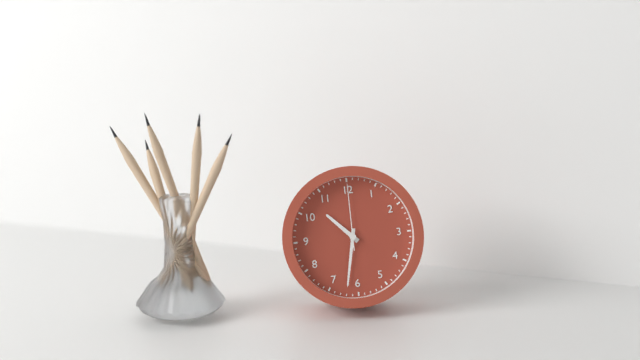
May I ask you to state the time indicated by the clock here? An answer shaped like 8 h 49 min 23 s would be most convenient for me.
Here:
10 h 32 min 00 s
